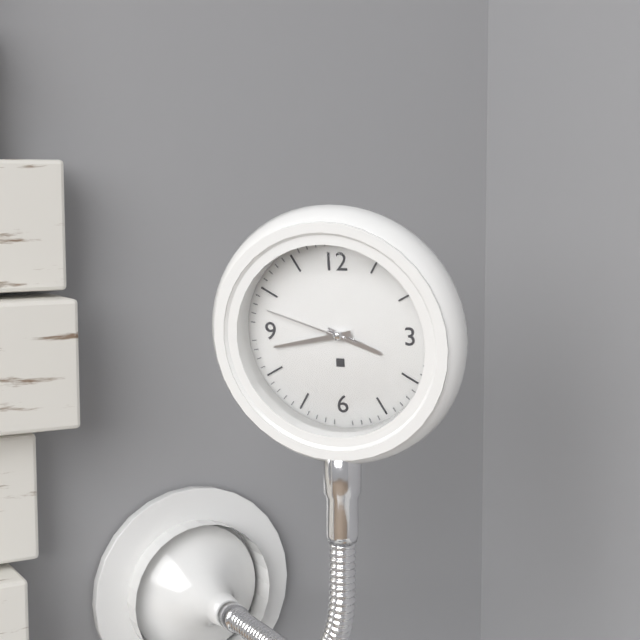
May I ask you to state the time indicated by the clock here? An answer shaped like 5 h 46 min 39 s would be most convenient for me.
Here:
3 h 43 min 48 s
